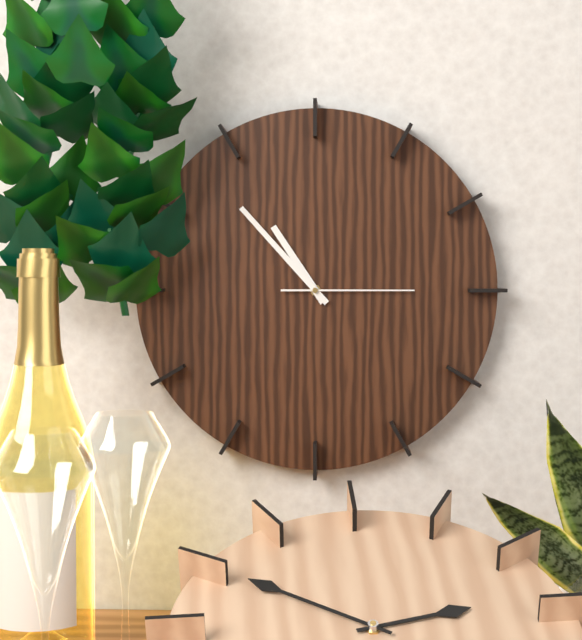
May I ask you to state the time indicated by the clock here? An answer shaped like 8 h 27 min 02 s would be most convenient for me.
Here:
10 h 53 min 15 s
